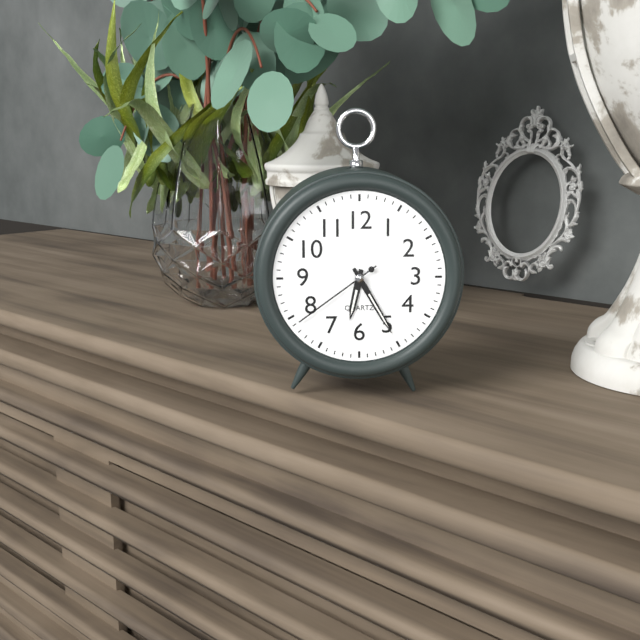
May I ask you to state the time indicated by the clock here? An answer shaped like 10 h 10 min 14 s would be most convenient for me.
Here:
6 h 25 min 39 s
